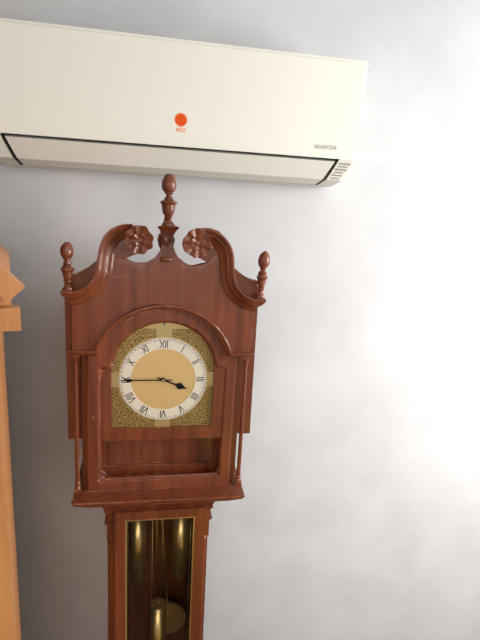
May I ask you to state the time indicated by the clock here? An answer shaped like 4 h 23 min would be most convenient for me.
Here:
3 h 45 min
